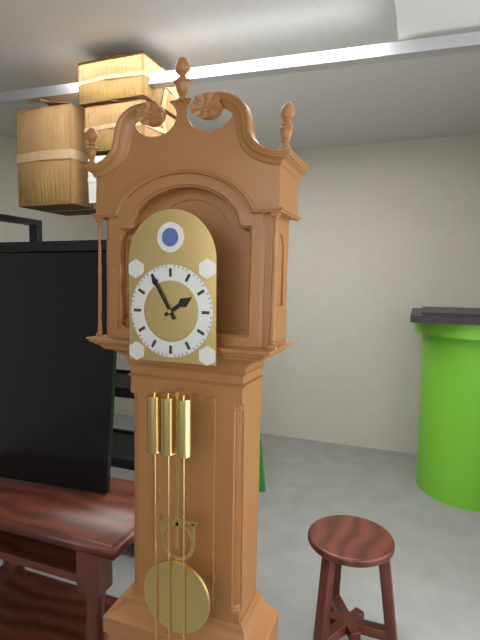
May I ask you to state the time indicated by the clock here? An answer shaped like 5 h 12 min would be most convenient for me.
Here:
1 h 55 min
